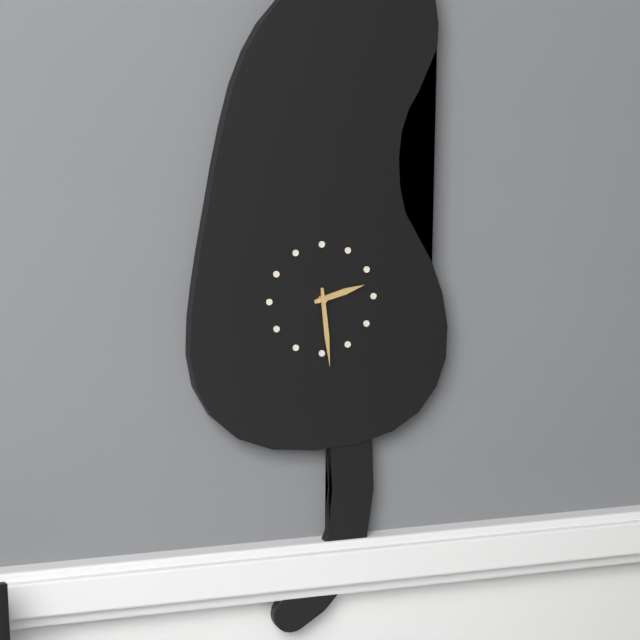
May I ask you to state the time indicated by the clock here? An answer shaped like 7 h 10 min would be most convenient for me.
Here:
2 h 29 min
